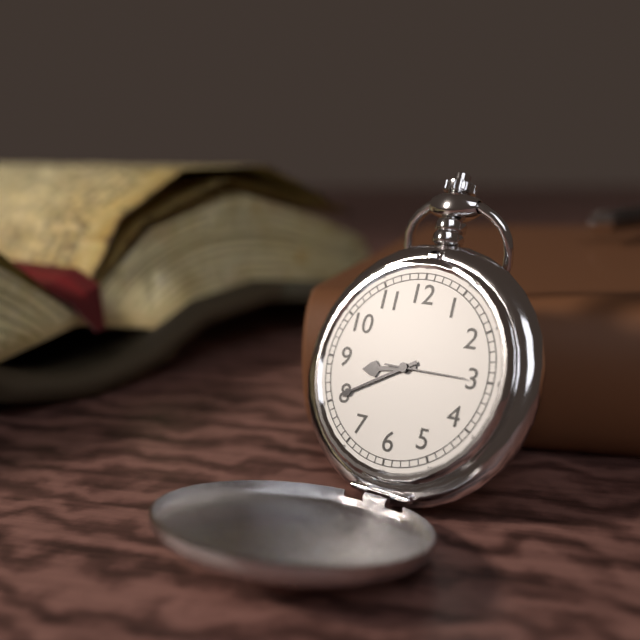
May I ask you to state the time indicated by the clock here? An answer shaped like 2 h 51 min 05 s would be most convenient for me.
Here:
8 h 40 min 15 s
